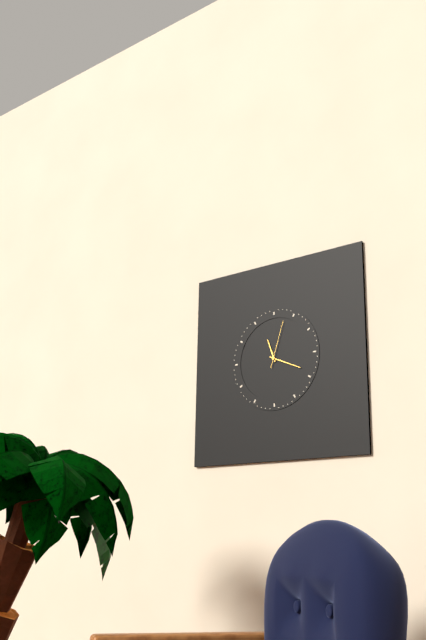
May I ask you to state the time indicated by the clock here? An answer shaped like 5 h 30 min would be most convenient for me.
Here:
11 h 19 min
